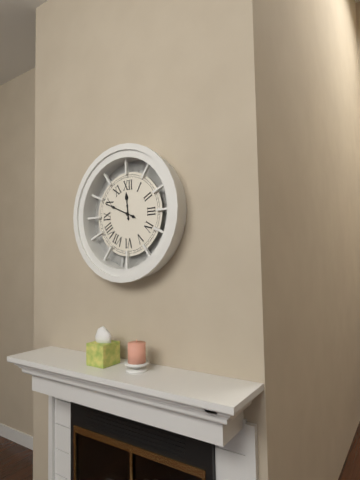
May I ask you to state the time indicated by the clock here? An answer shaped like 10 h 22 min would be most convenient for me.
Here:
11 h 49 min
